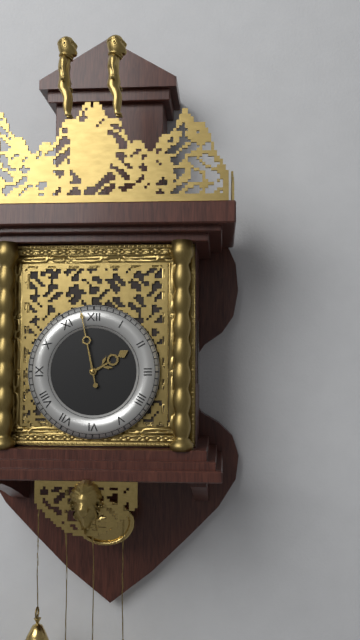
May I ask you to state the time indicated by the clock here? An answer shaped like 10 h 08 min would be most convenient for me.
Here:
1 h 58 min
